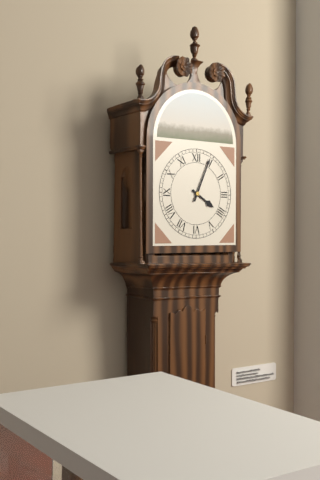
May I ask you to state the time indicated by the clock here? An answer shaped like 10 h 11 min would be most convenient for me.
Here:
4 h 04 min
